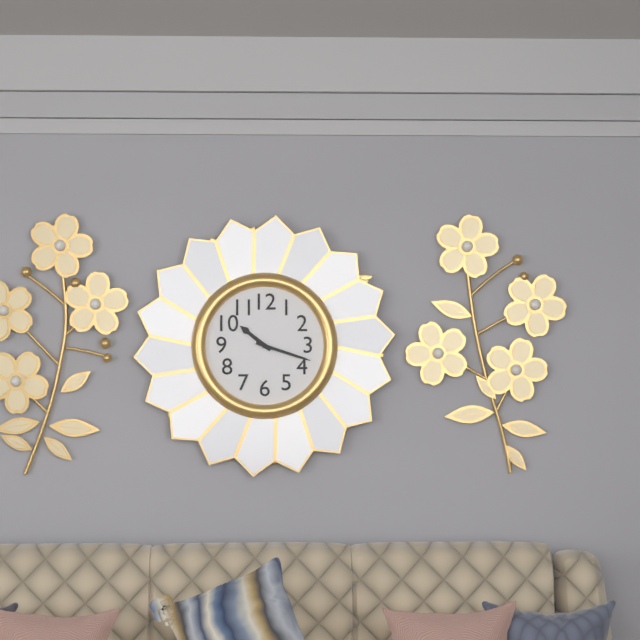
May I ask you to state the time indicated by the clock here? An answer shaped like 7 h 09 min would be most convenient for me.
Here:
10 h 18 min
